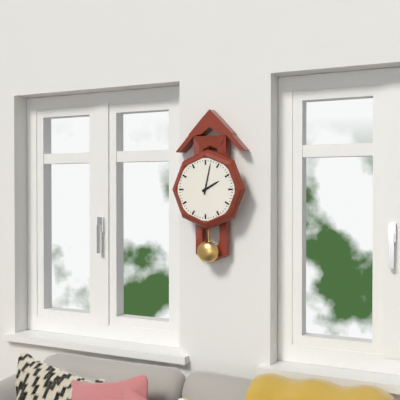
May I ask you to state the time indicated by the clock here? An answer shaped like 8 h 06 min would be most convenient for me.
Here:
2 h 02 min
